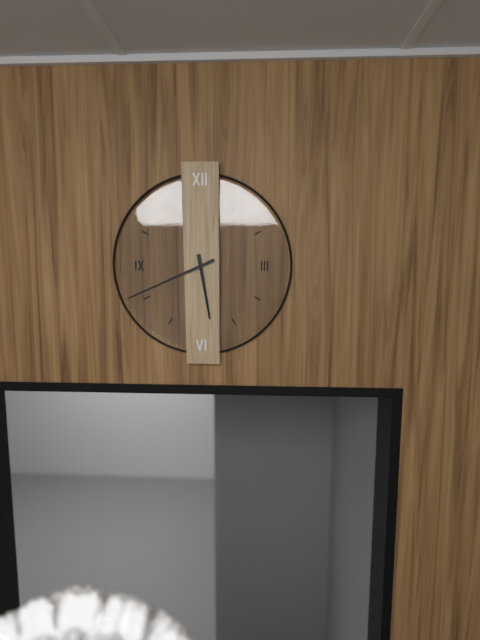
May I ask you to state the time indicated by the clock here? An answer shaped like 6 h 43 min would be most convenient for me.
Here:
5 h 41 min
